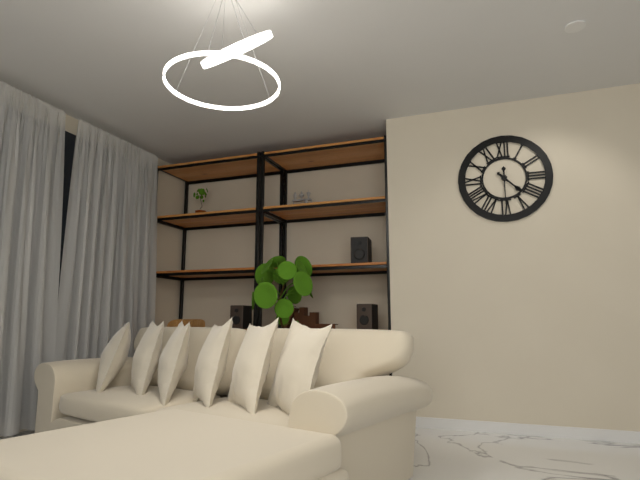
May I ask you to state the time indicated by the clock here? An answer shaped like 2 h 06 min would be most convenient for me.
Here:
4 h 30 min
